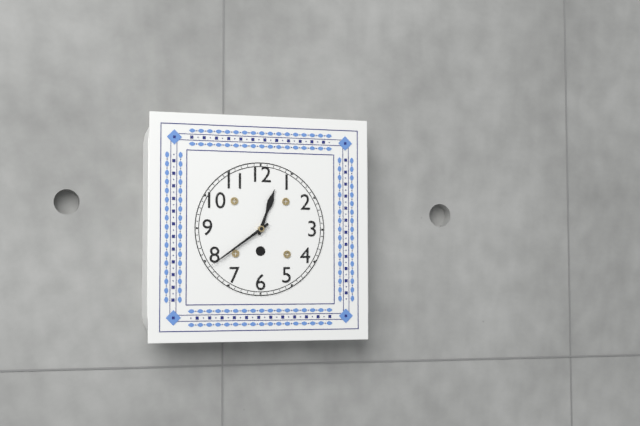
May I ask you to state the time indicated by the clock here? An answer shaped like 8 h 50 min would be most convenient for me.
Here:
12 h 39 min
